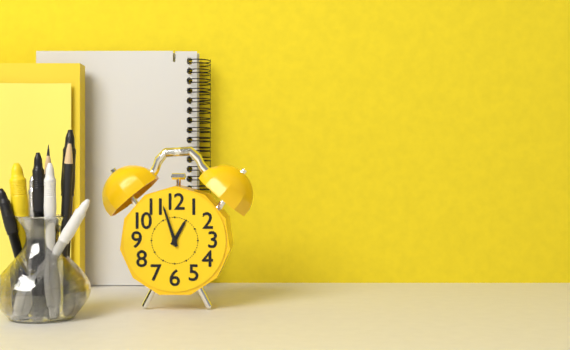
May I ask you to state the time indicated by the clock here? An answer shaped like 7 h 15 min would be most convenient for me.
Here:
12 h 57 min
